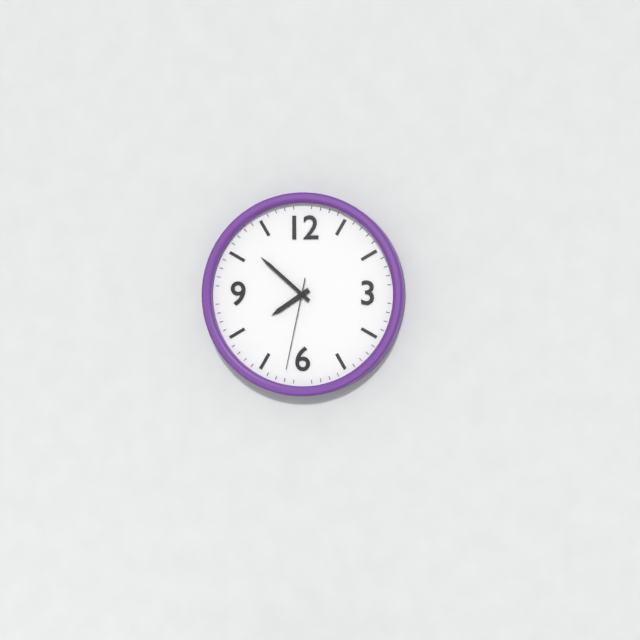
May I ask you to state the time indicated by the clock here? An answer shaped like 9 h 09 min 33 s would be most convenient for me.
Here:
7 h 52 min 32 s
